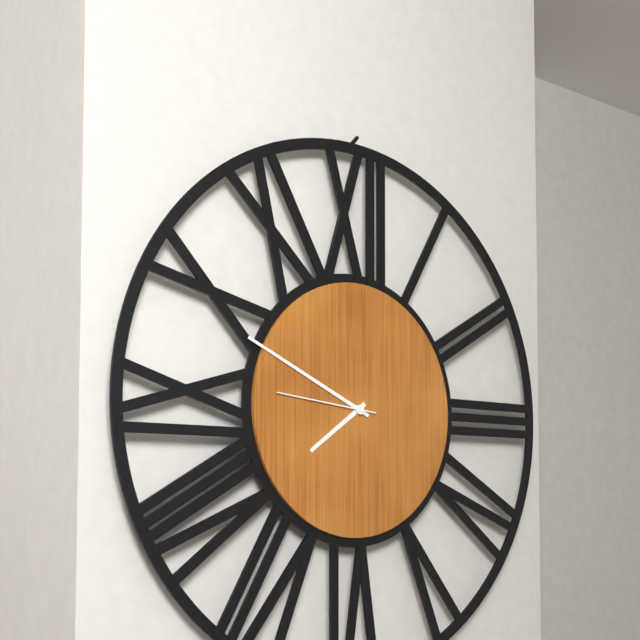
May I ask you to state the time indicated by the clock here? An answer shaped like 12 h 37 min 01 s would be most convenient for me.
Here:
7 h 49 min 46 s
